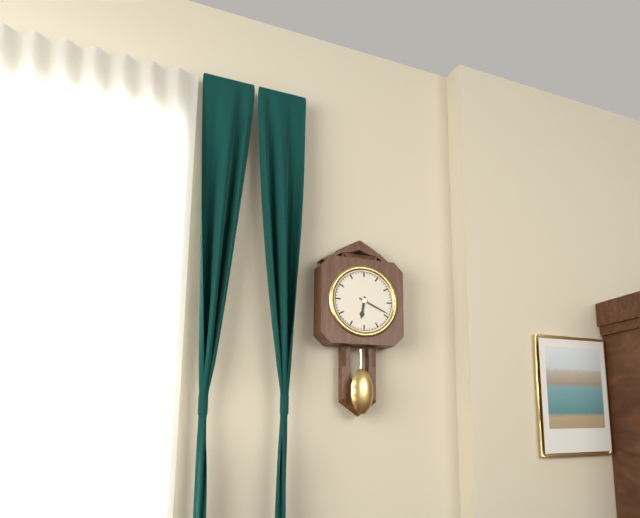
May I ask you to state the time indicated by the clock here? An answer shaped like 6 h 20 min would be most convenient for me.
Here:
6 h 19 min
